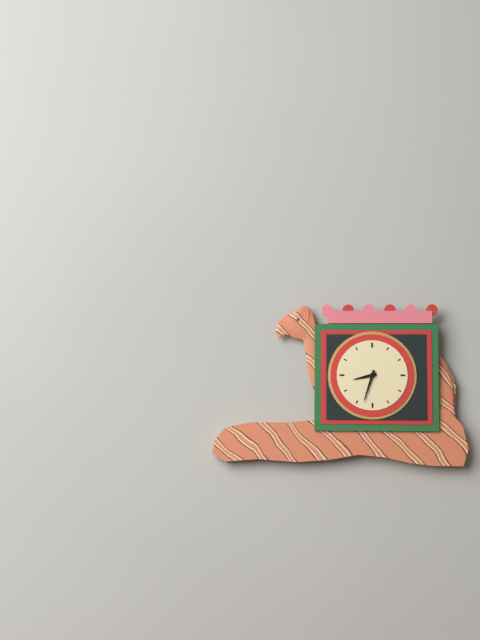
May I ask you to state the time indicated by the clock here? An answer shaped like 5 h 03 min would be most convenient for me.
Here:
8 h 33 min
